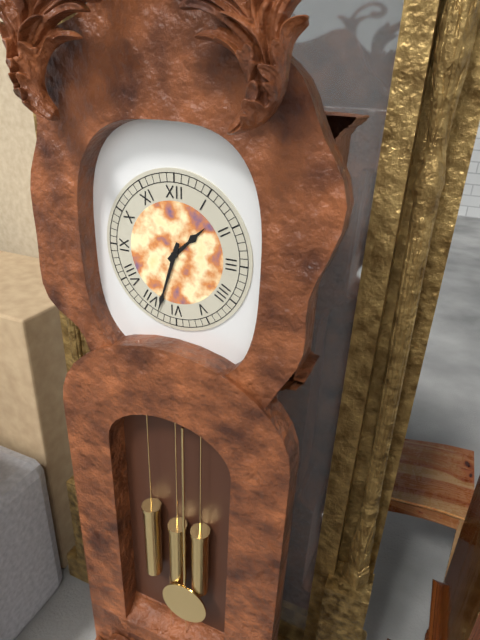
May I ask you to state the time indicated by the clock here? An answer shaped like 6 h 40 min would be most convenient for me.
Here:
1 h 33 min
